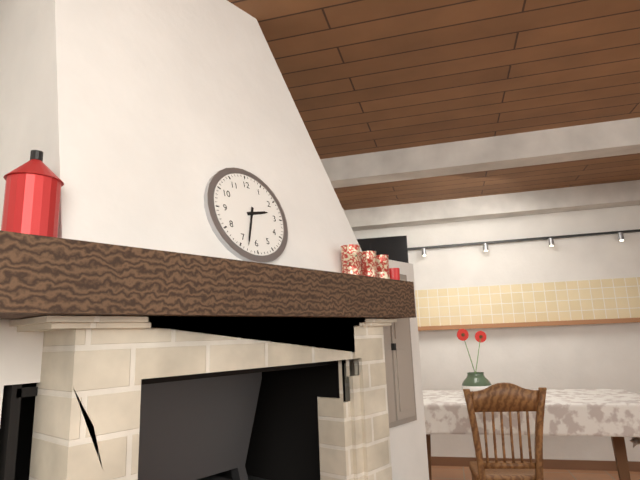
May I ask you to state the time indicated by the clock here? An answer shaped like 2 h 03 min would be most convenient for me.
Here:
2 h 33 min
